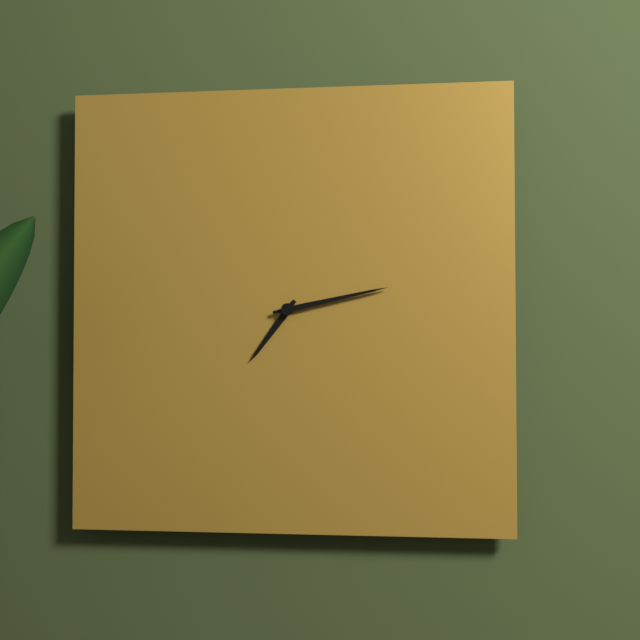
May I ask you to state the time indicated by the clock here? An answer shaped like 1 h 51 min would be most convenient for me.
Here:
7 h 13 min
